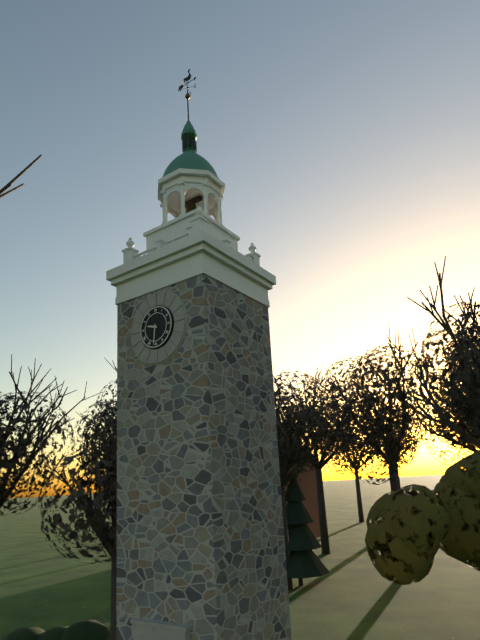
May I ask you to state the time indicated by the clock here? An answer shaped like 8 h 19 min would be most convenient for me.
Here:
9 h 31 min
